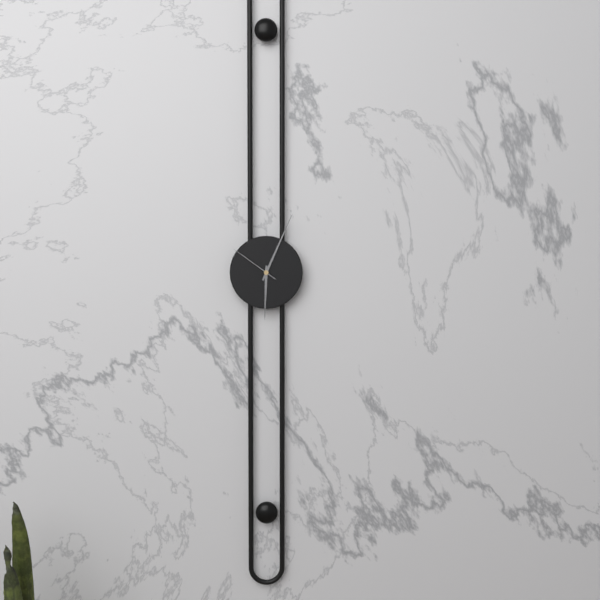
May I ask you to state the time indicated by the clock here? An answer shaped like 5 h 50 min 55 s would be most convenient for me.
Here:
6 h 04 min 51 s
